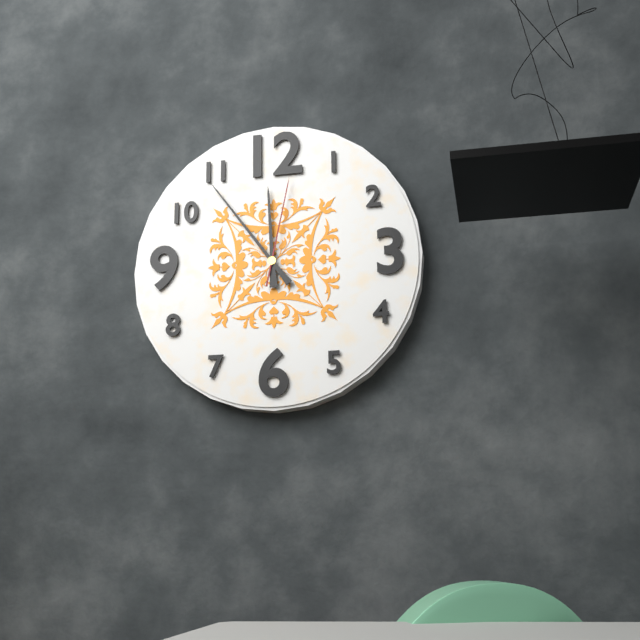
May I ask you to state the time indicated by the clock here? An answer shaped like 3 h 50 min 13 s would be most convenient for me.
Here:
11 h 54 min 02 s
